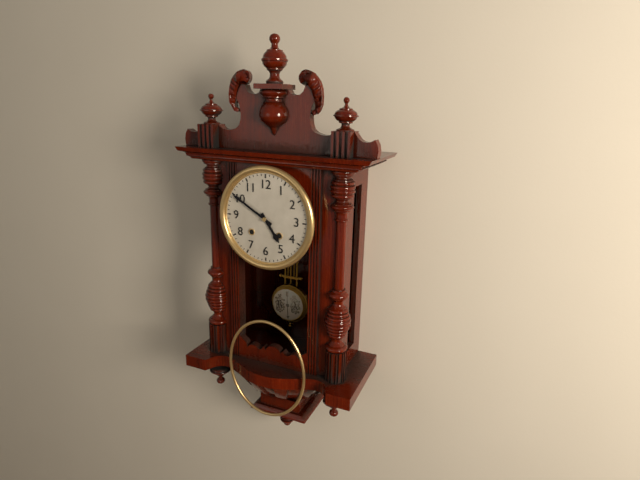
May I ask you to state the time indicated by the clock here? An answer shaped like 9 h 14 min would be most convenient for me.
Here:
4 h 50 min
